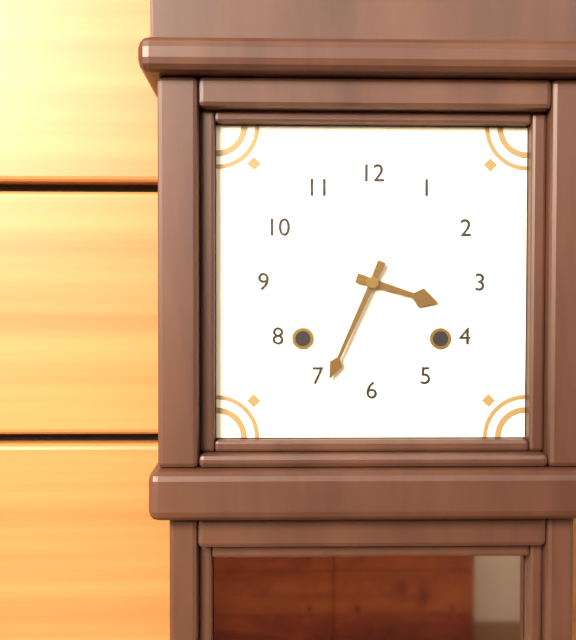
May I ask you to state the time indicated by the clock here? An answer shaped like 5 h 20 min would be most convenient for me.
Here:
3 h 34 min
